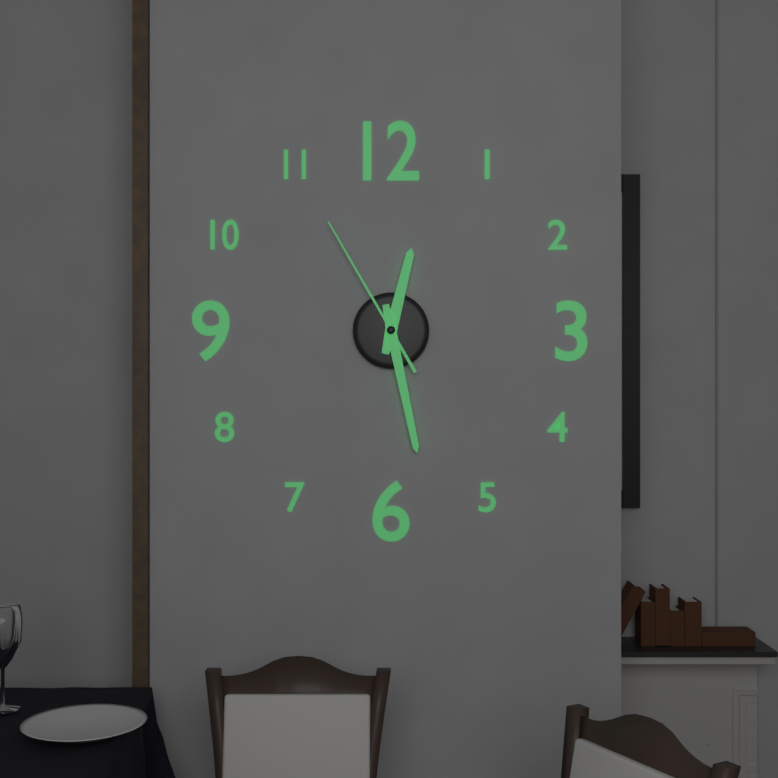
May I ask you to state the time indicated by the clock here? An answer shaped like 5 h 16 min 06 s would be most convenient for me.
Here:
12 h 28 min 55 s
